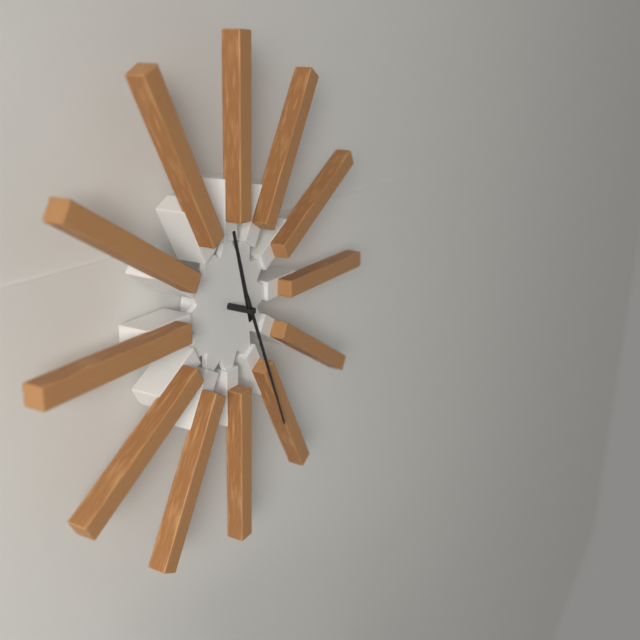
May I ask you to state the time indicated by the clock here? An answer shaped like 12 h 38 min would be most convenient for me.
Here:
11 h 26 min
